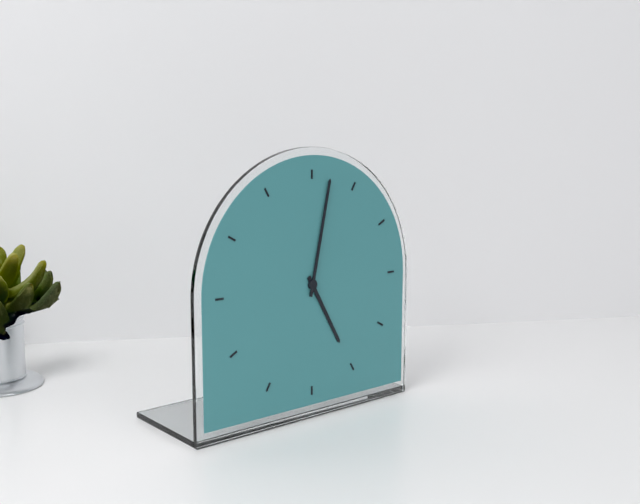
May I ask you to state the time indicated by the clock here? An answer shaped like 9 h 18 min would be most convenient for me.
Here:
5 h 02 min
